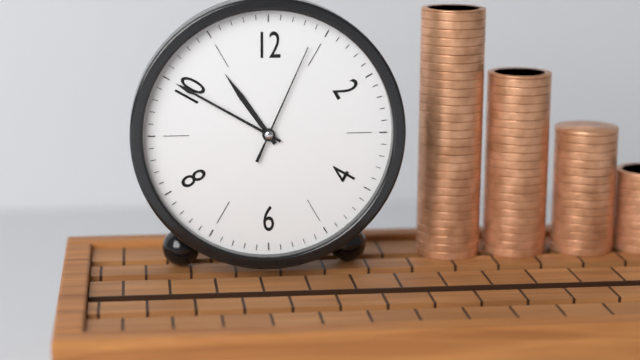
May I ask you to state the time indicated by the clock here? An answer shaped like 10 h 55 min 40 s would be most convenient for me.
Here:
10 h 50 min 04 s
